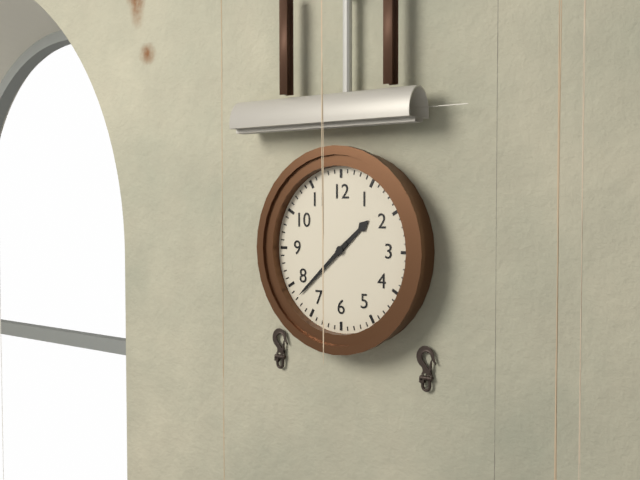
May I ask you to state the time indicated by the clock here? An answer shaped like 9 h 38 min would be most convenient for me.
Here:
1 h 38 min
